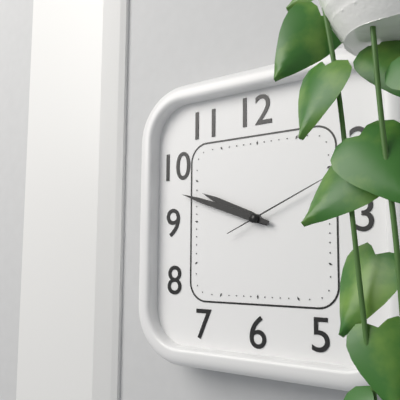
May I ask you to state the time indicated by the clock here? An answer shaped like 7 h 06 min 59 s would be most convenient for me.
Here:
9 h 48 min 11 s
